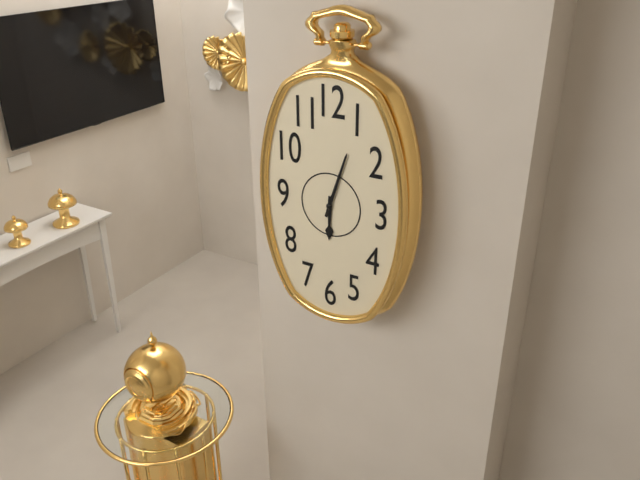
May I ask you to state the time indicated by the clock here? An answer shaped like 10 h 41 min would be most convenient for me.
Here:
6 h 03 min
